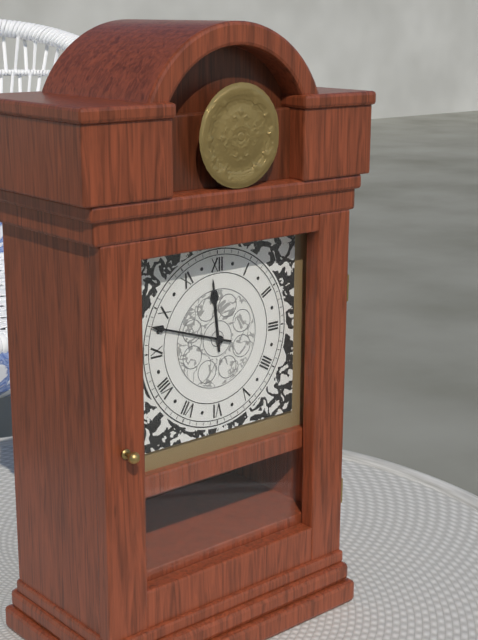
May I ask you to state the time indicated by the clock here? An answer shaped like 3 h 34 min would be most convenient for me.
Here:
11 h 48 min
